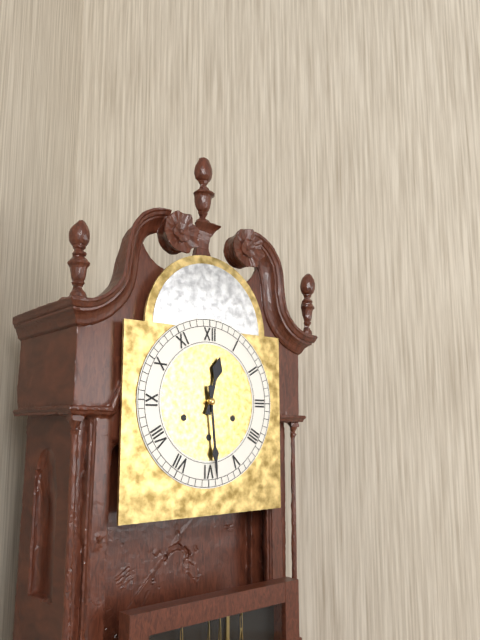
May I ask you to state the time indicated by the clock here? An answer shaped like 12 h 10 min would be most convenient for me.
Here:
12 h 29 min
